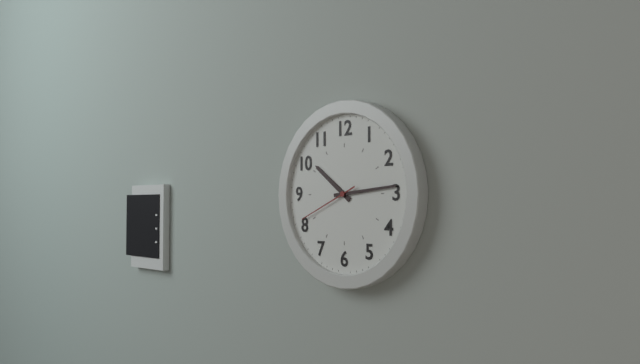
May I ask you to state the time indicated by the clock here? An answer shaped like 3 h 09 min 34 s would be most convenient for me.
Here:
10 h 14 min 41 s
